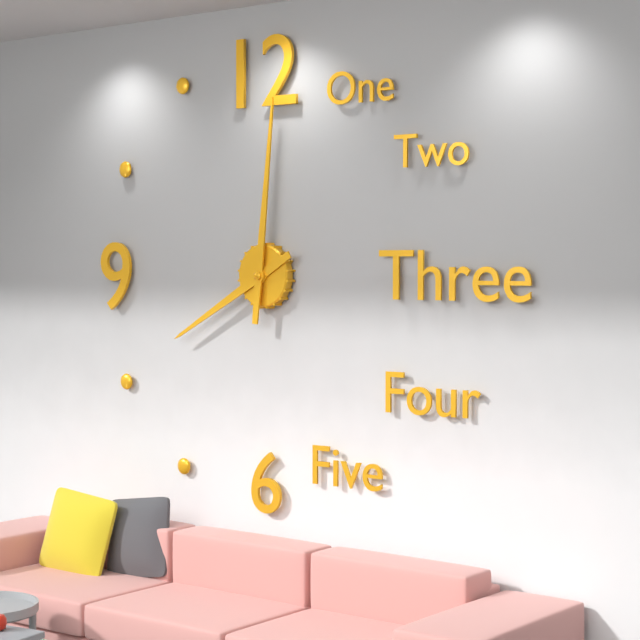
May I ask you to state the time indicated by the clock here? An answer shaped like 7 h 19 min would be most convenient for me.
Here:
8 h 01 min
